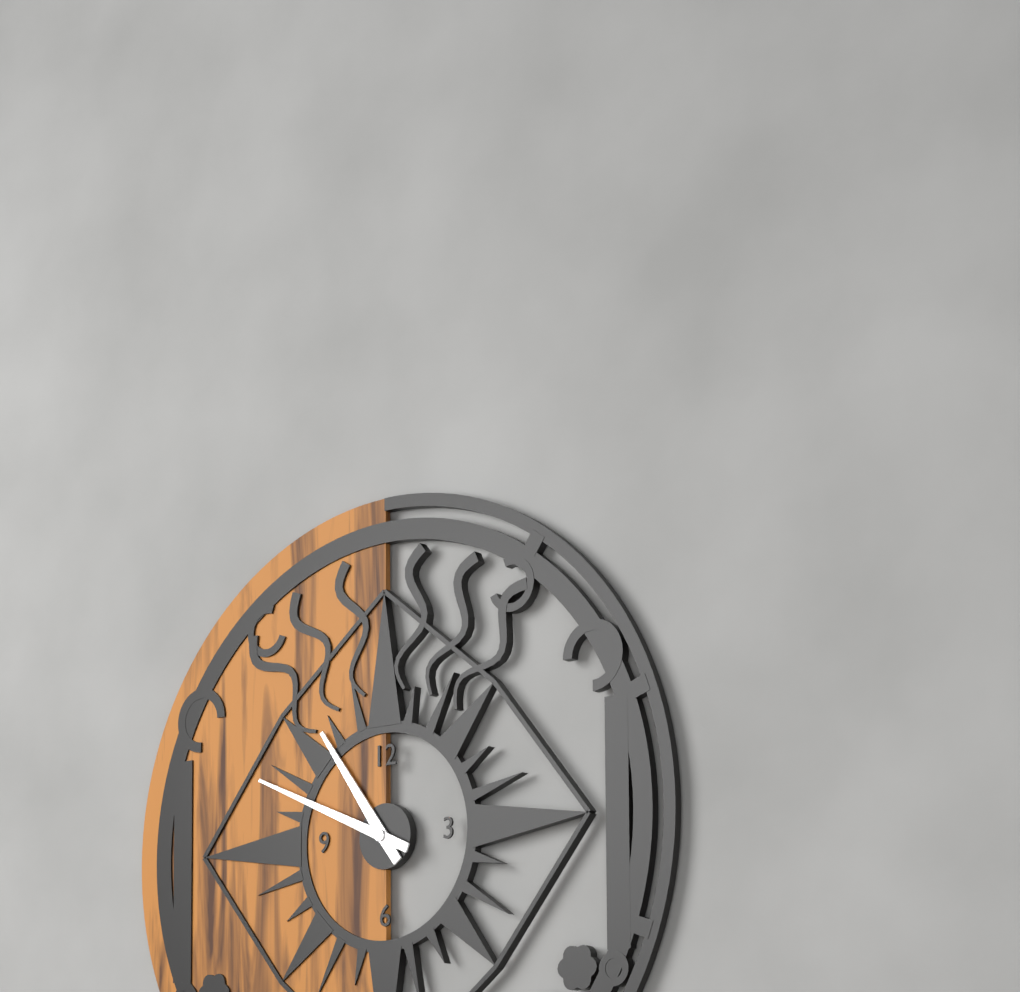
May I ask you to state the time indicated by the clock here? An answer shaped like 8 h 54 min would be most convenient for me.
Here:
10 h 49 min
